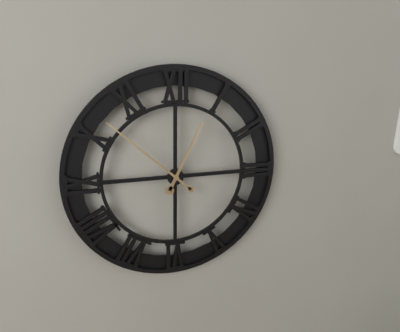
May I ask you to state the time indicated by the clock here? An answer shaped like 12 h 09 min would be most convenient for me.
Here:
12 h 52 min
